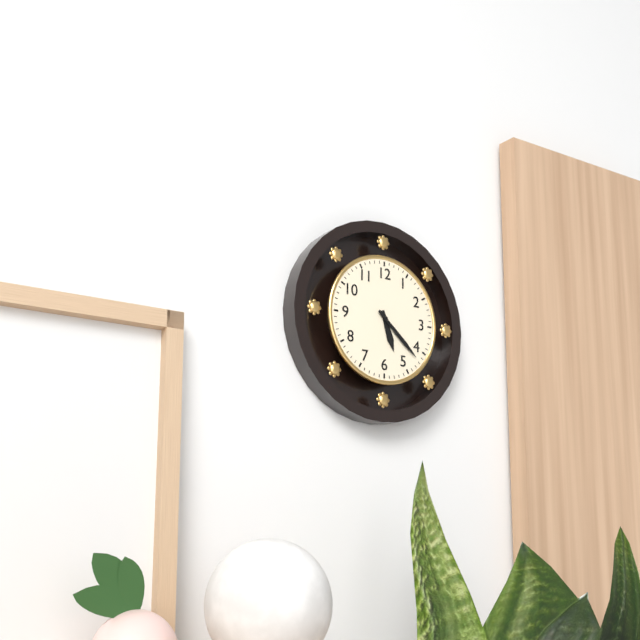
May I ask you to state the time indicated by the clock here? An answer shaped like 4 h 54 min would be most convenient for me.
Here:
5 h 22 min
